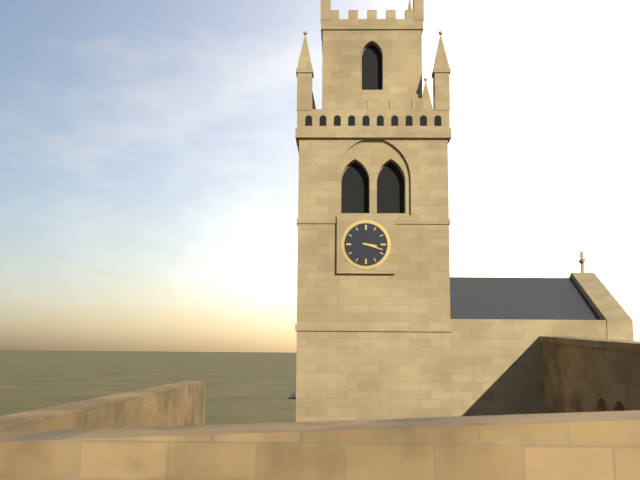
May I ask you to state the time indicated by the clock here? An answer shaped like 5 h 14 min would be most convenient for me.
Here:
3 h 18 min
